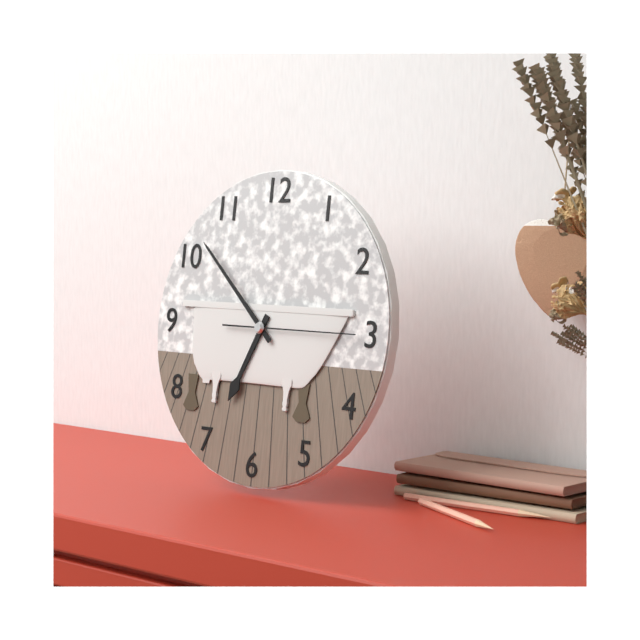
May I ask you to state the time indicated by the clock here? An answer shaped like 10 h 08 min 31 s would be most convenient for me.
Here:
6 h 52 min 15 s
